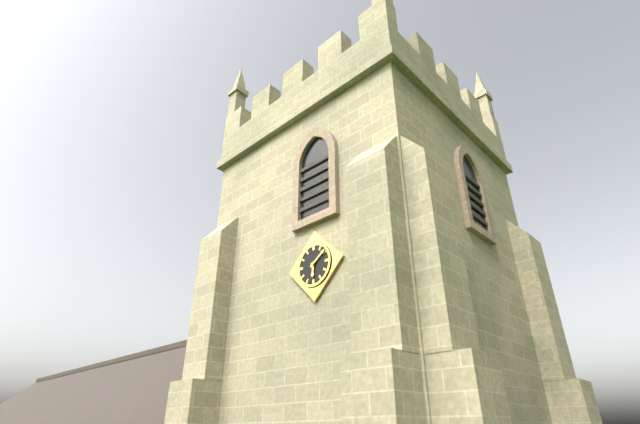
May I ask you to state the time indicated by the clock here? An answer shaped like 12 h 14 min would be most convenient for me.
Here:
6 h 09 min
